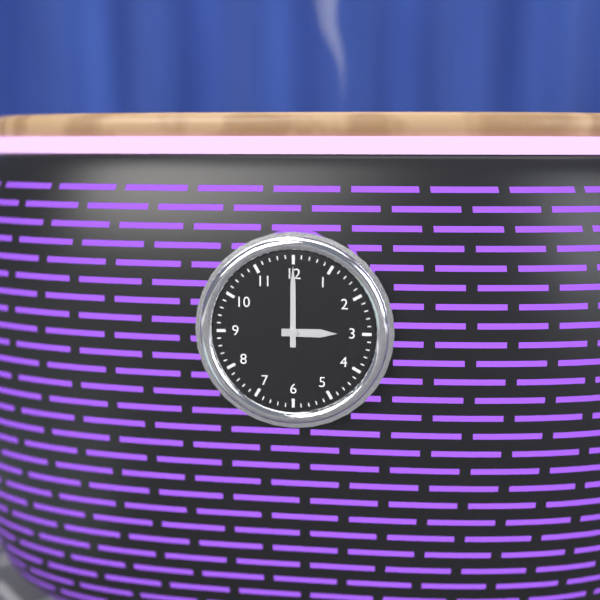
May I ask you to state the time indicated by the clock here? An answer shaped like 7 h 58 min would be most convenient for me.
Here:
3 h 00 min
